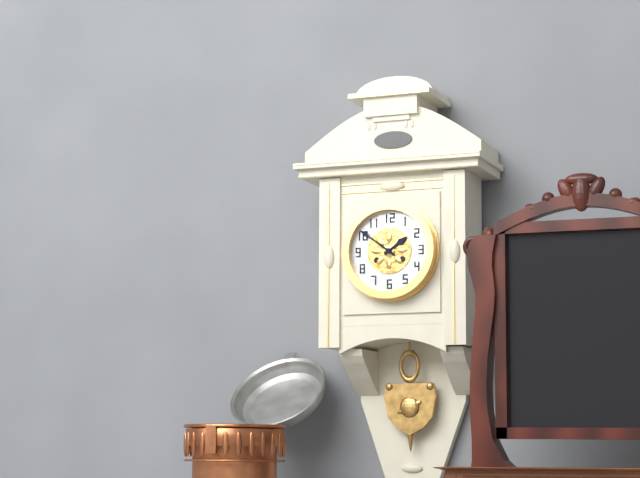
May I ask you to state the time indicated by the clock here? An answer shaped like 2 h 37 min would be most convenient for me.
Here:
1 h 51 min
